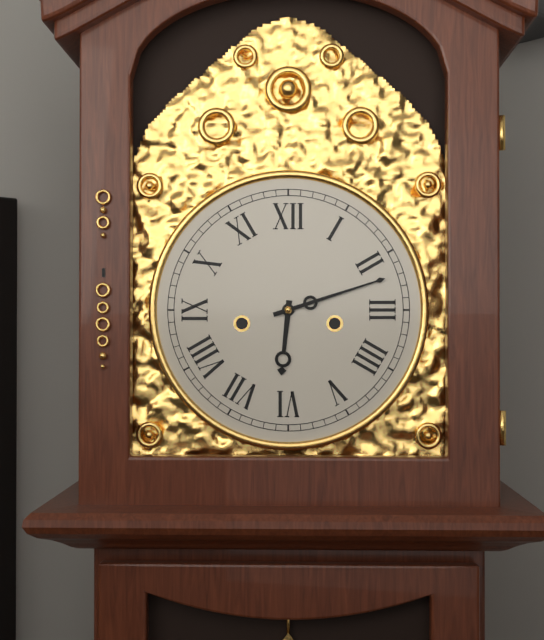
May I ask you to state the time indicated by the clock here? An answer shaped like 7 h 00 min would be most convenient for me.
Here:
6 h 12 min
